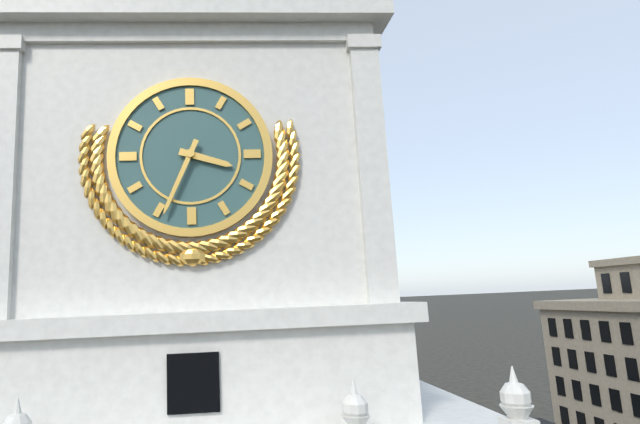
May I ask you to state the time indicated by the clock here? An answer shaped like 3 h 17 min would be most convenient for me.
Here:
3 h 34 min
